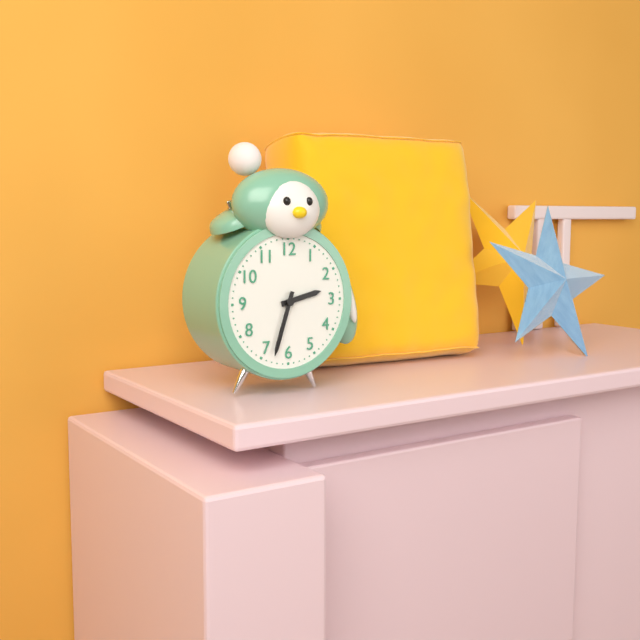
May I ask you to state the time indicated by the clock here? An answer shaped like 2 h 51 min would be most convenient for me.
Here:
2 h 33 min
